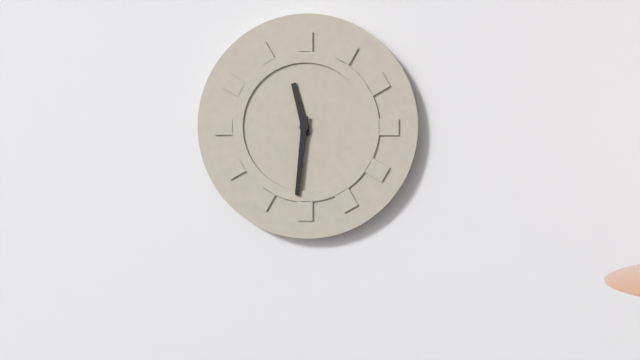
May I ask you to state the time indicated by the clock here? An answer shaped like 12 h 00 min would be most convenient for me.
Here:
11 h 31 min
